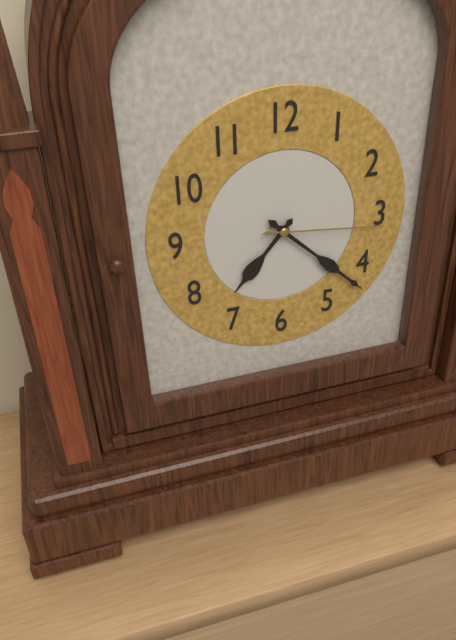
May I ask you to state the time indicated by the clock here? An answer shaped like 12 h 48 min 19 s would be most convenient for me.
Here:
7 h 22 min 16 s
